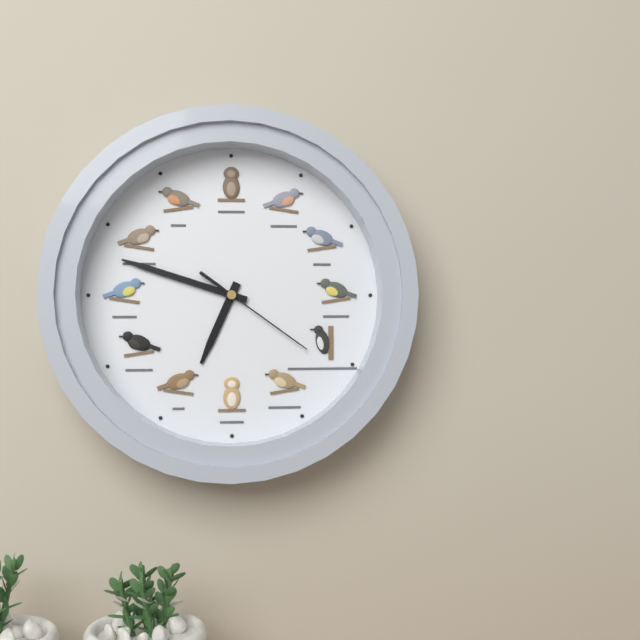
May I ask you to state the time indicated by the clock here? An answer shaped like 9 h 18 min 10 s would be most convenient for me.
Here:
6 h 48 min 21 s
